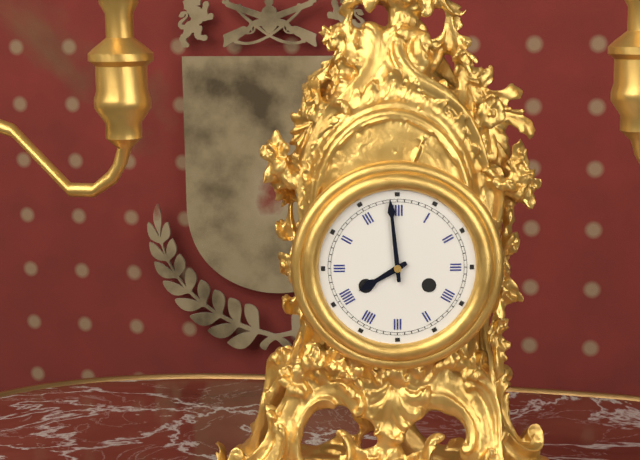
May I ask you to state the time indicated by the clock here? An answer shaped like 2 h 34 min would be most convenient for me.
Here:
7 h 59 min
